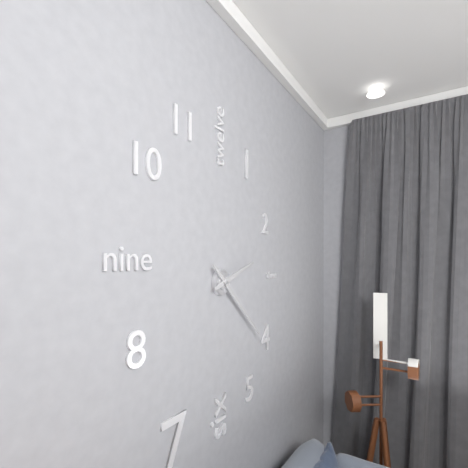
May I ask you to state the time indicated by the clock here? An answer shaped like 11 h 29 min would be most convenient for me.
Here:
2 h 22 min
